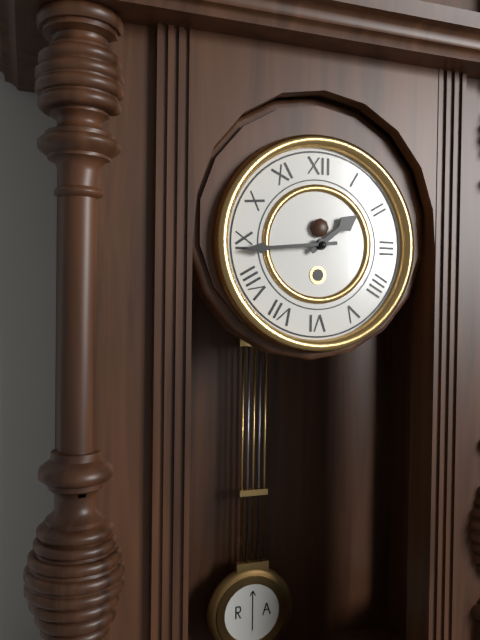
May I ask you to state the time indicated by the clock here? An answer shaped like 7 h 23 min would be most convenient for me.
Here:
1 h 44 min
